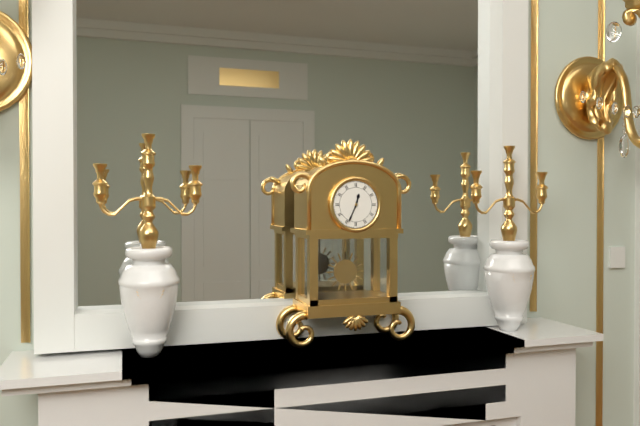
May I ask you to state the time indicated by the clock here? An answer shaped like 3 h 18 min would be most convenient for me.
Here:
12 h 34 min
